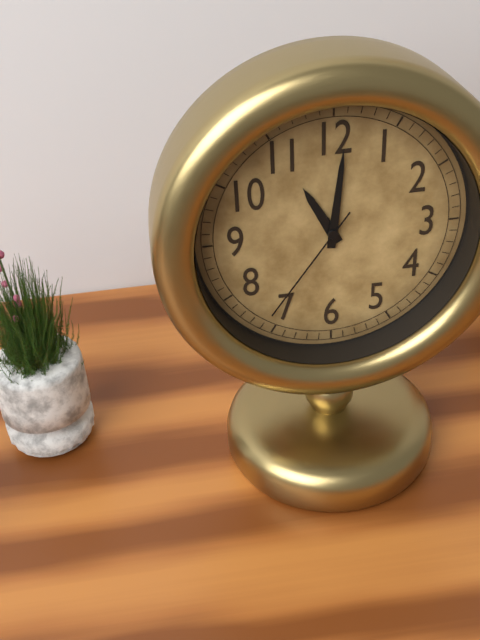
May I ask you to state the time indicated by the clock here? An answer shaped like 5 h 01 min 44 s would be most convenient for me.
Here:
11 h 01 min 36 s
